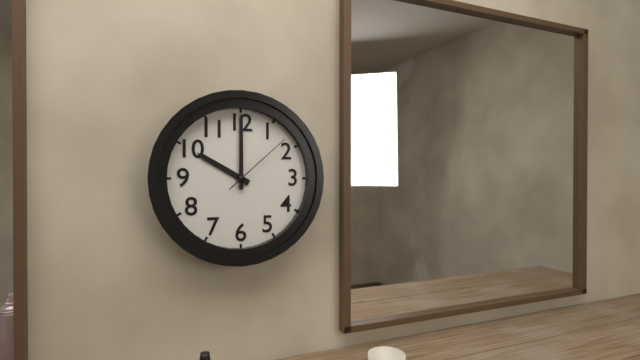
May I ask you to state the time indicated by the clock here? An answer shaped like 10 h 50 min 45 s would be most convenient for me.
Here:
10 h 00 min 08 s
